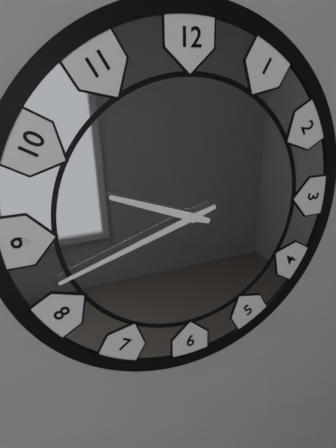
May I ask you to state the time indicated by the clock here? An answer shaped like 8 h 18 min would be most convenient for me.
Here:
9 h 42 min
